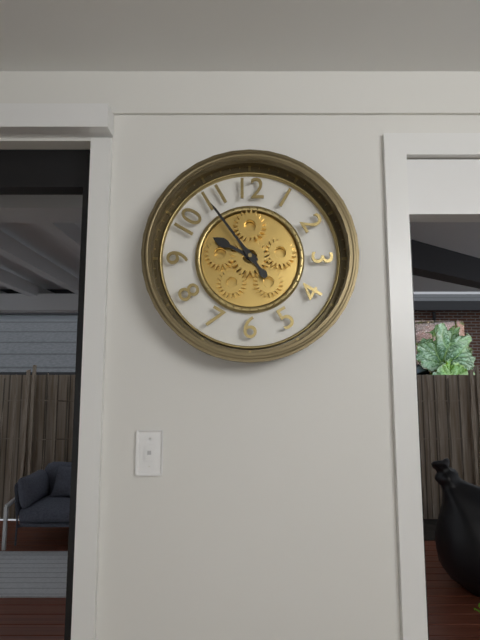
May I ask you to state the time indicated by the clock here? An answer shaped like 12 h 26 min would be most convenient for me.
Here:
9 h 54 min
